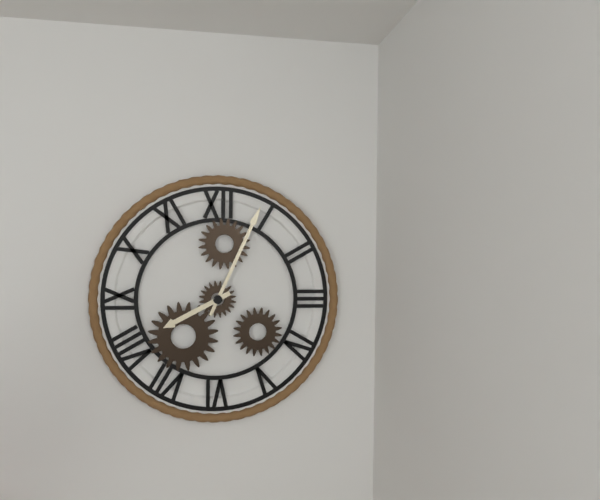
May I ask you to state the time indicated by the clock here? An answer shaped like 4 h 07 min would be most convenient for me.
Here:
8 h 04 min
